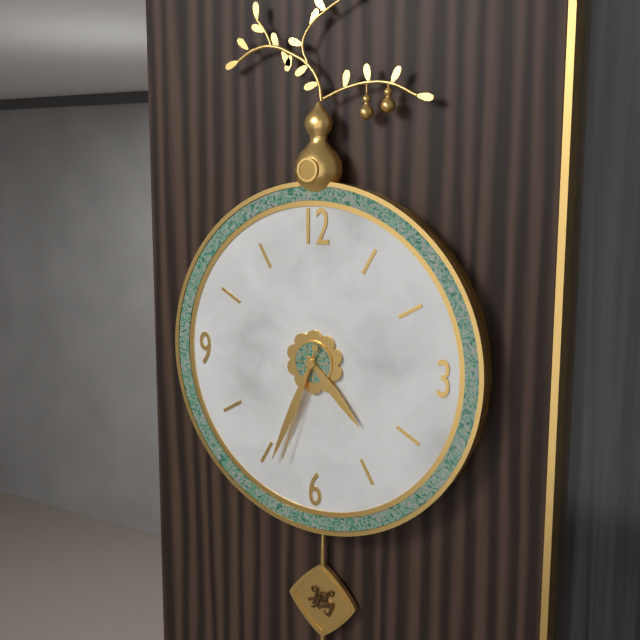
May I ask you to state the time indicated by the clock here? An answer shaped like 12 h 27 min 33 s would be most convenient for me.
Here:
4 h 34 min 33 s
